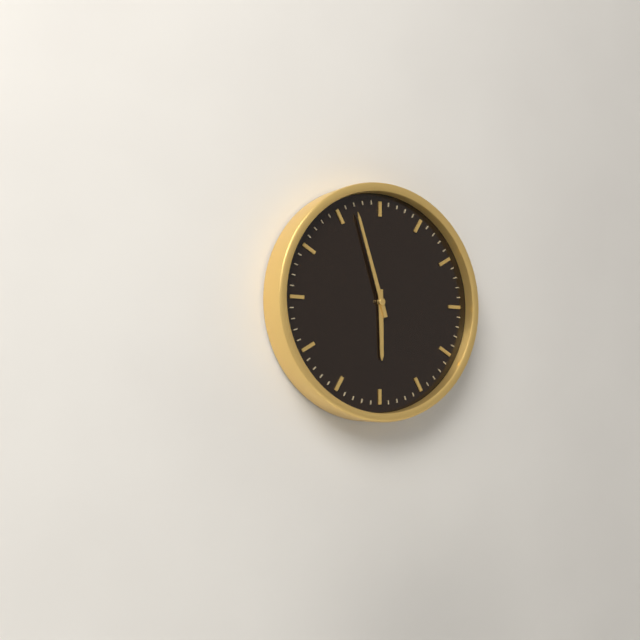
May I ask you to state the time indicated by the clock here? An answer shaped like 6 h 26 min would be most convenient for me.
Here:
5 h 57 min
